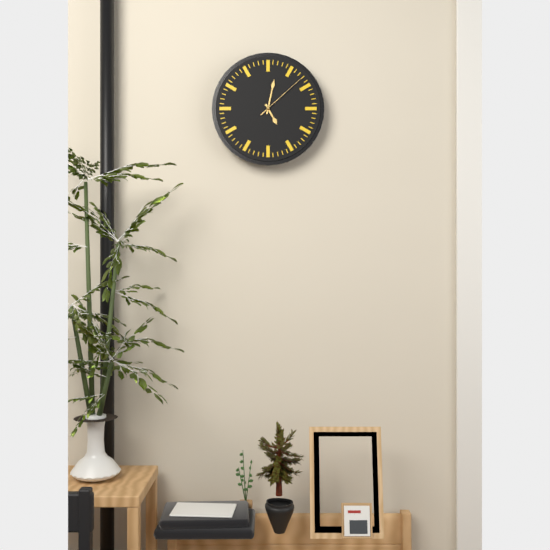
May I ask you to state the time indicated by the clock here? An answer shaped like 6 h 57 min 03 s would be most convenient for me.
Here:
5 h 02 min 08 s
